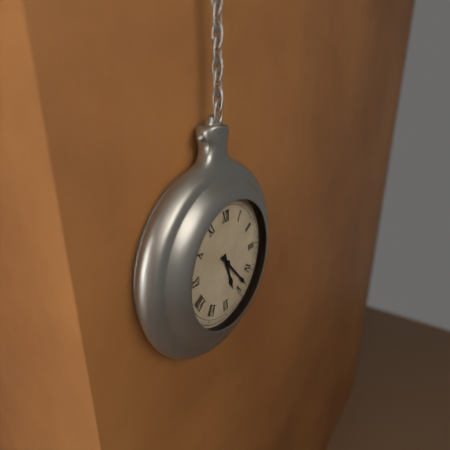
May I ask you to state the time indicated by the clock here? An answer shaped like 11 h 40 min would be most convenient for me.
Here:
5 h 23 min
